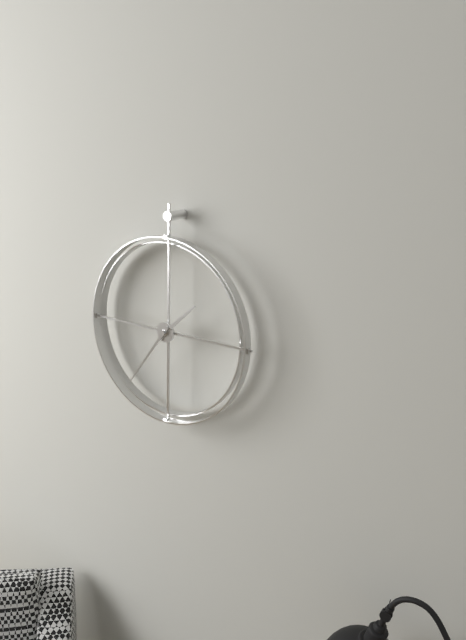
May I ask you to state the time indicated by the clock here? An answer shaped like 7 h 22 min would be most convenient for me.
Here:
1 h 36 min
